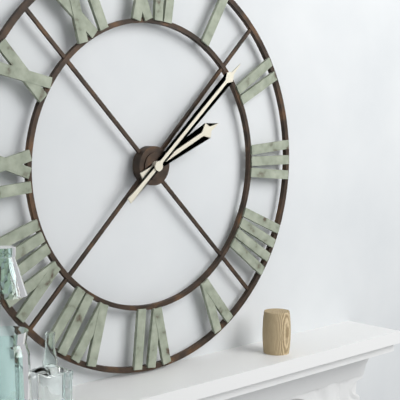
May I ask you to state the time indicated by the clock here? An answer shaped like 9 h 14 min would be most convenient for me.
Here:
2 h 08 min
